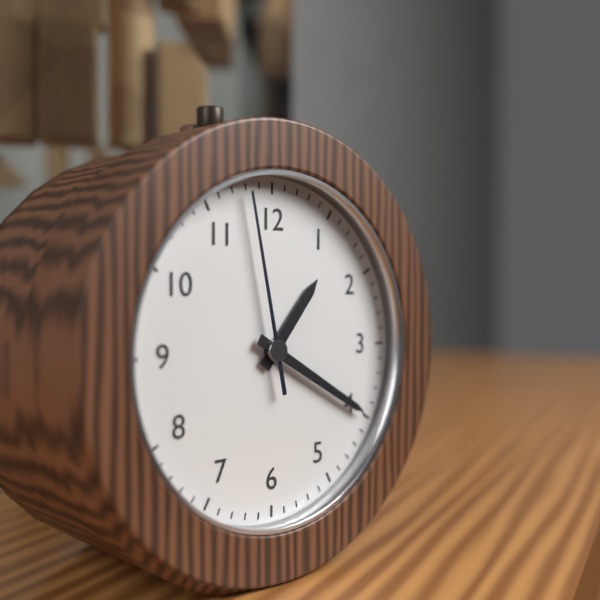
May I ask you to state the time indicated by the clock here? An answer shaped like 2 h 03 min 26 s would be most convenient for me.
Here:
1 h 20 min 58 s
